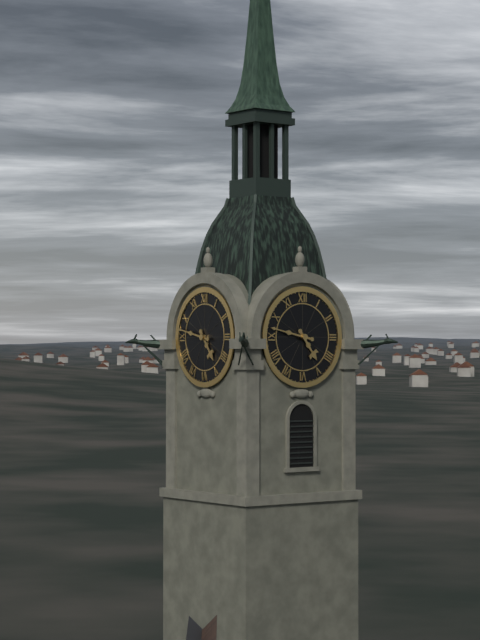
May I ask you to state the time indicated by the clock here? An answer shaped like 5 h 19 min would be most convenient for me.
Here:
4 h 47 min
